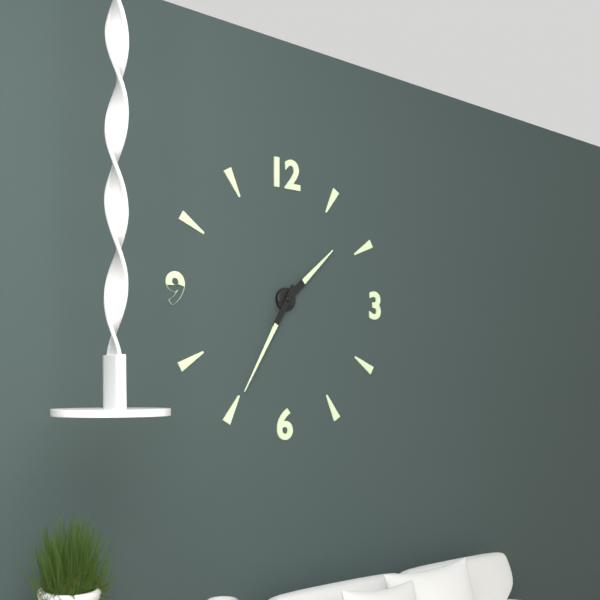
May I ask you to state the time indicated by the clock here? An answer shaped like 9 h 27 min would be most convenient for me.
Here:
1 h 35 min
